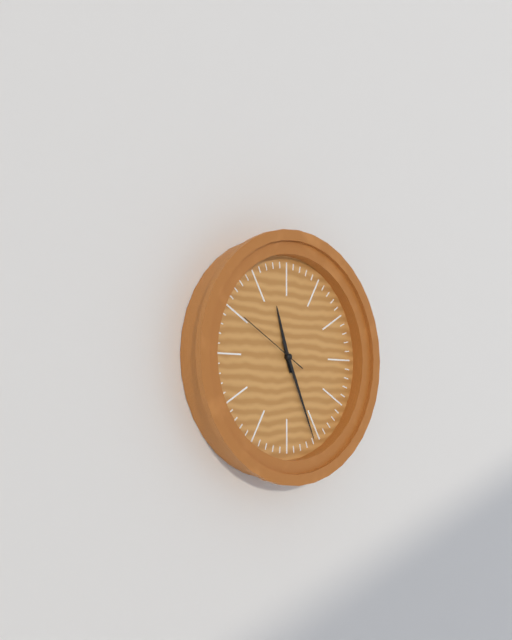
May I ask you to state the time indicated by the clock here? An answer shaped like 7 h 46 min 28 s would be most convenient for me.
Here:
11 h 26 min 50 s
